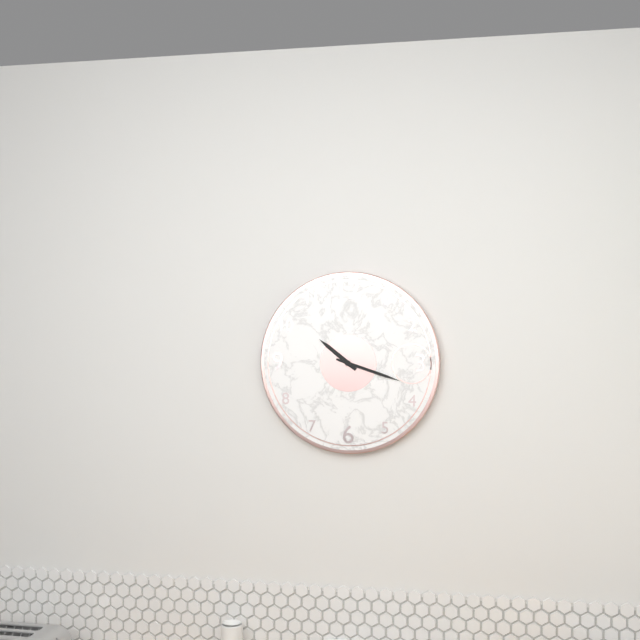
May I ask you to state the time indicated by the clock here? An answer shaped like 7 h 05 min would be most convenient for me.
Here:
10 h 18 min
